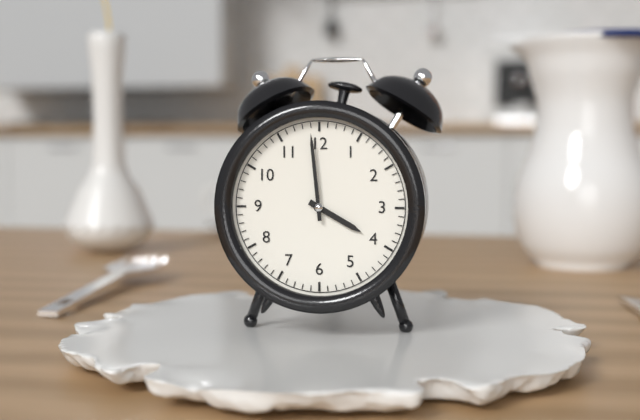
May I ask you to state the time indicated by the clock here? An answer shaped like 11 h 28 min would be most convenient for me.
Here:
3 h 59 min
